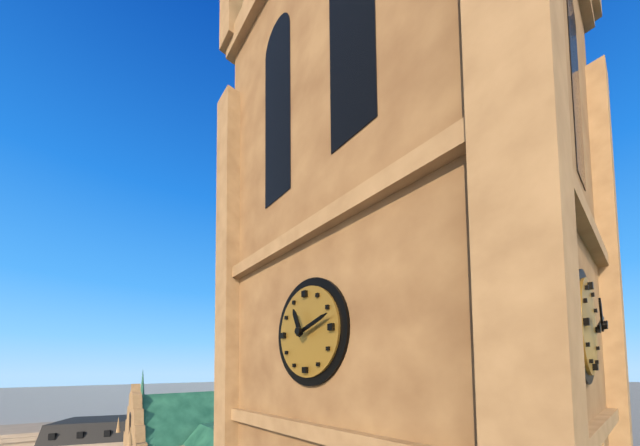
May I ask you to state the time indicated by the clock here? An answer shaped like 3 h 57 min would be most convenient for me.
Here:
11 h 12 min
